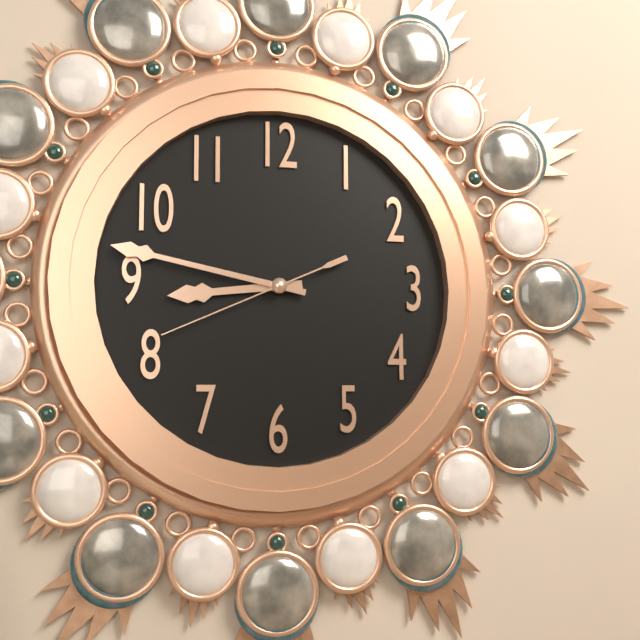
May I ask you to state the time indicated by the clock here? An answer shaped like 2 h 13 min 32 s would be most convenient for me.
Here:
8 h 47 min 41 s
